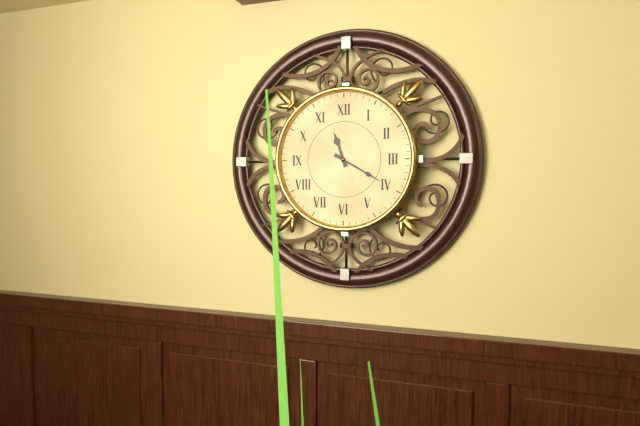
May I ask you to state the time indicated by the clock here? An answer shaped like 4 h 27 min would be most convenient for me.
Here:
11 h 20 min
